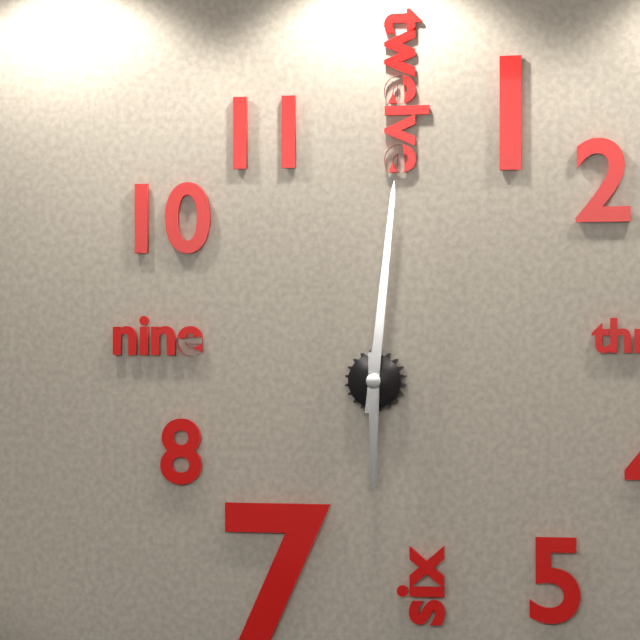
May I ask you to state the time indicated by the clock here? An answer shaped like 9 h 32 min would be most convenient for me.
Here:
6 h 01 min
